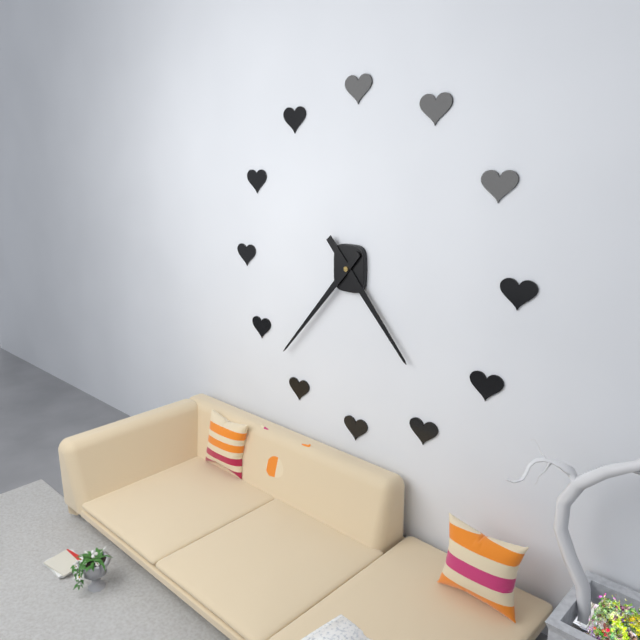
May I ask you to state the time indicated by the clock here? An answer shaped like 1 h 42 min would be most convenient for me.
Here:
4 h 37 min
